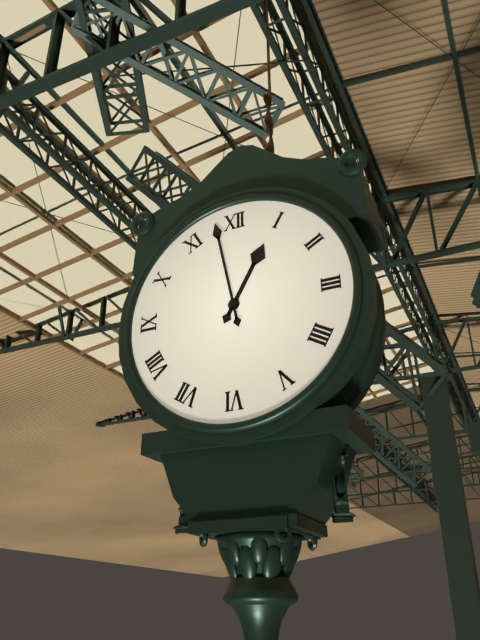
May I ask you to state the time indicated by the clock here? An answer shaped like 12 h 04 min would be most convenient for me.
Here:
12 h 58 min
